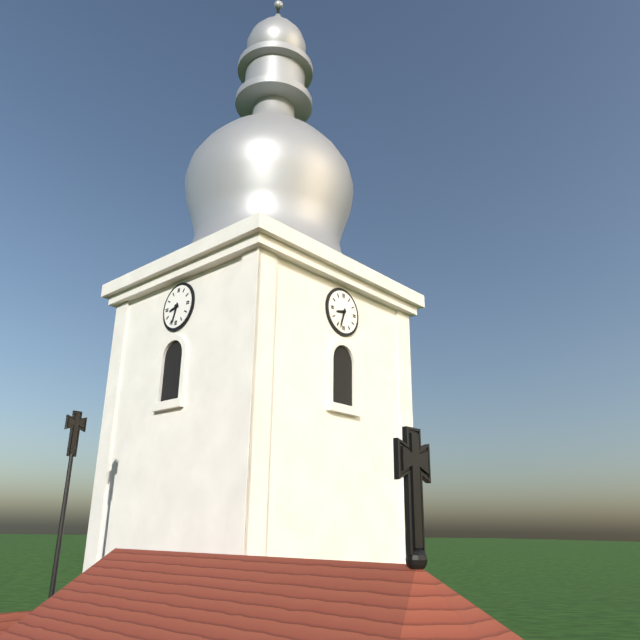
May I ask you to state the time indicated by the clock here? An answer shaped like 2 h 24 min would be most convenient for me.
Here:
8 h 33 min
